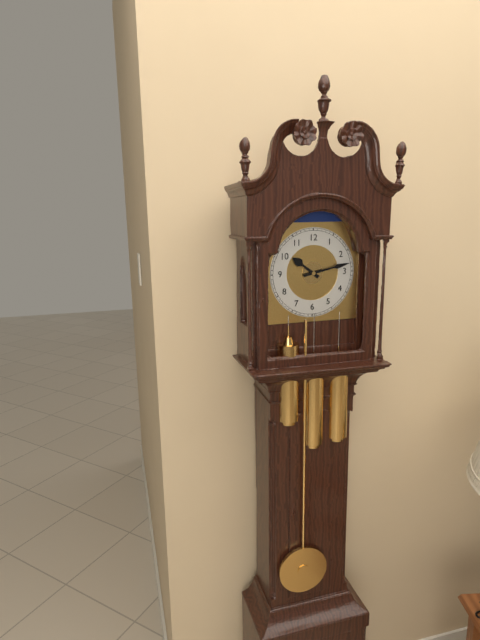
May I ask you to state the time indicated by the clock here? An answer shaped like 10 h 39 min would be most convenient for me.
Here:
10 h 13 min
